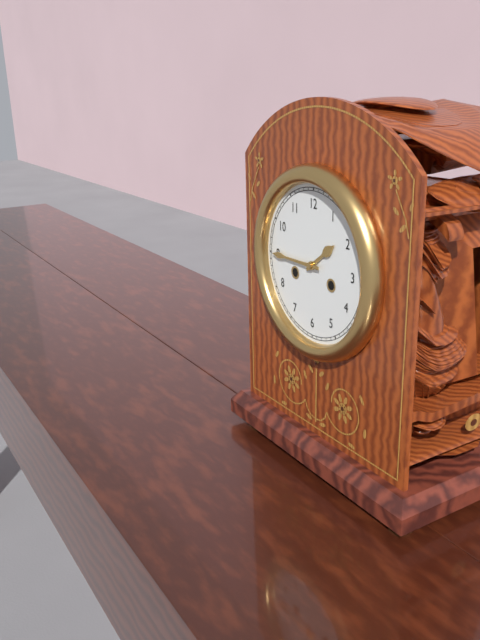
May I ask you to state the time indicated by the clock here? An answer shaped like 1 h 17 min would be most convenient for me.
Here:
1 h 45 min
